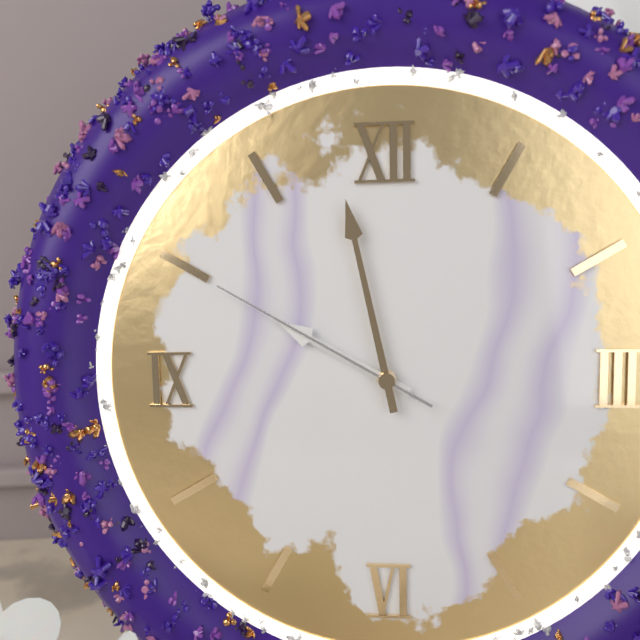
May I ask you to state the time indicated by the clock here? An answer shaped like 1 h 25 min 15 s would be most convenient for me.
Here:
9 h 58 min 50 s
